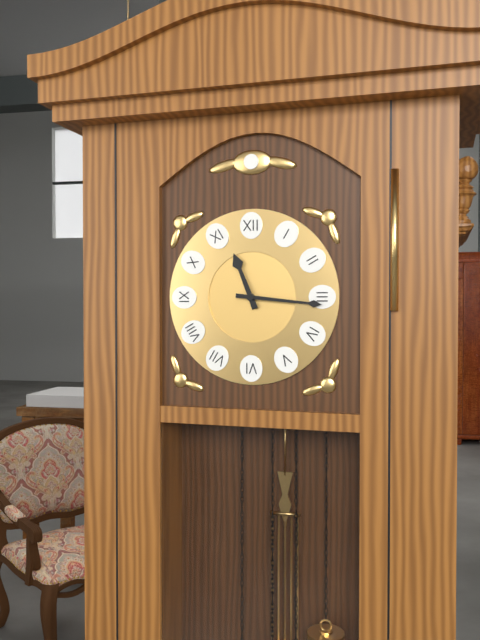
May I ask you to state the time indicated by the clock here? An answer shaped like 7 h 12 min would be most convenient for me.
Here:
11 h 16 min
